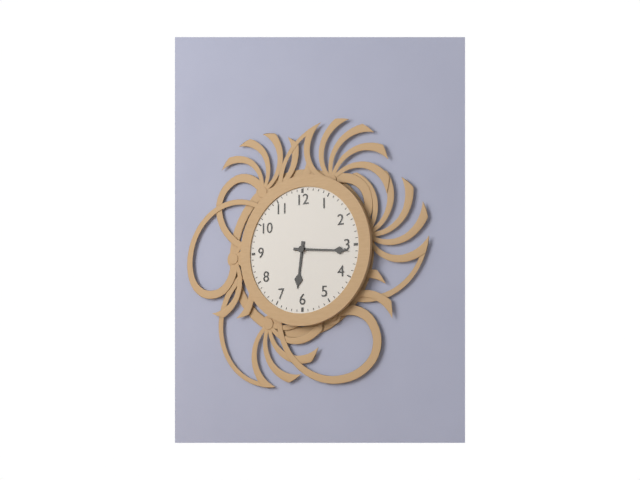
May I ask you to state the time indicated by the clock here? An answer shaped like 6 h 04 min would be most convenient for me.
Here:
6 h 16 min
